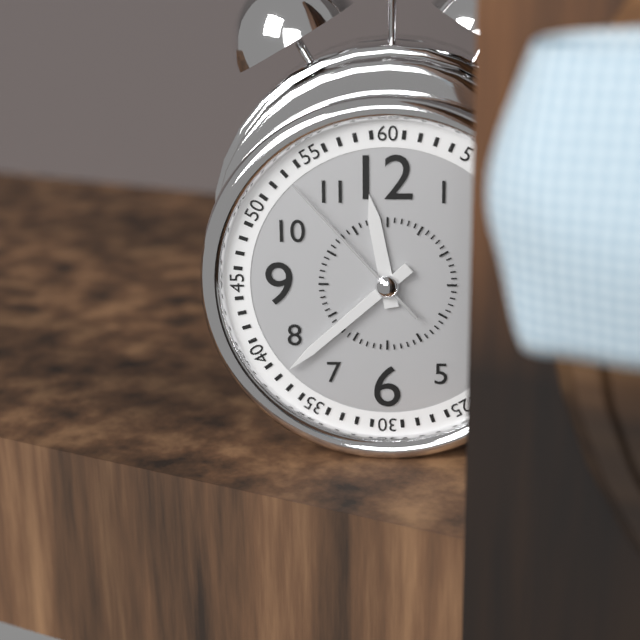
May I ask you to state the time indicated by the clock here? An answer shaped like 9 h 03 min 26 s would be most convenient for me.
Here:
11 h 38 min 53 s
